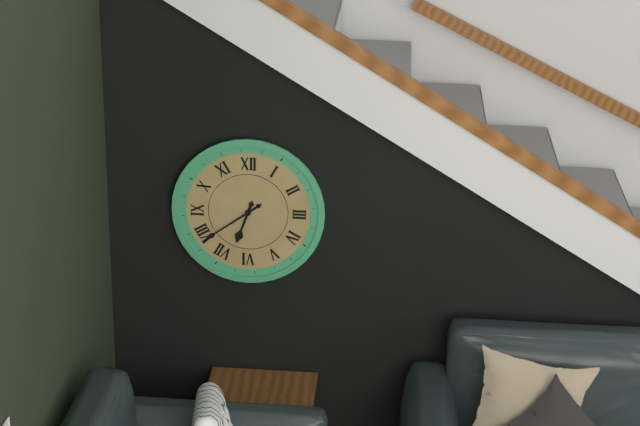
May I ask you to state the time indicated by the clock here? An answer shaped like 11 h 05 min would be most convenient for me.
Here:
6 h 39 min
